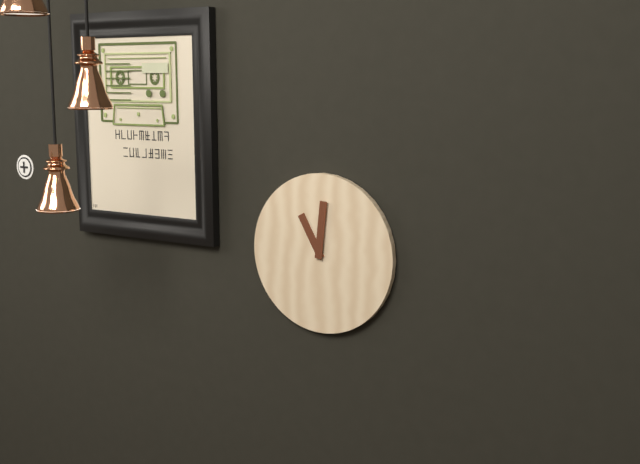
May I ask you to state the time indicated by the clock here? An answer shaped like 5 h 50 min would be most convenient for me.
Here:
11 h 01 min
